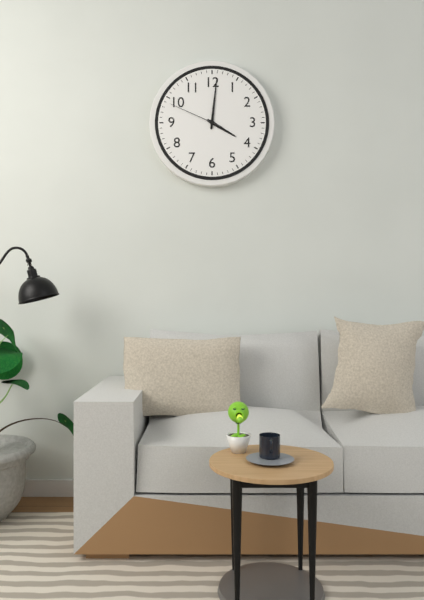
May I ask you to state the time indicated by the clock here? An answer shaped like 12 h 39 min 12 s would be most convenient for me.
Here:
4 h 01 min 49 s
